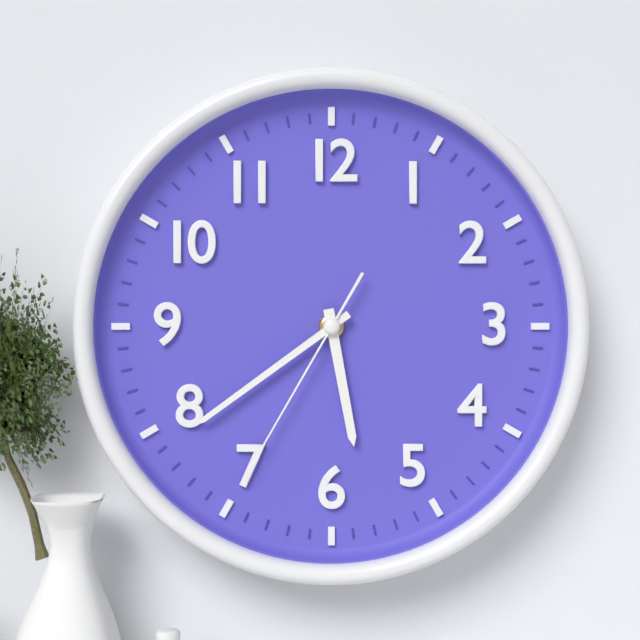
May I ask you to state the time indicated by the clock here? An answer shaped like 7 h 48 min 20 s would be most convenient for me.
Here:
5 h 39 min 35 s
